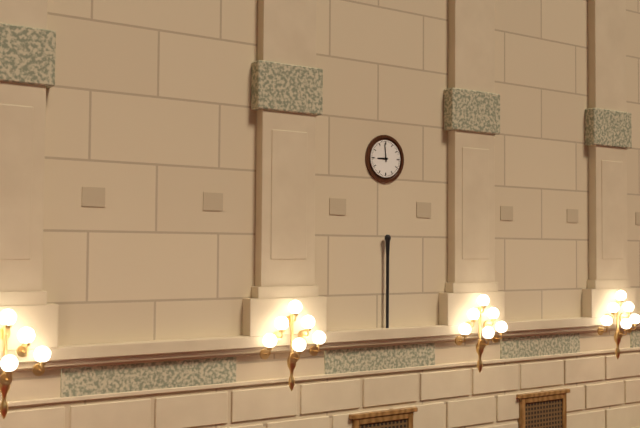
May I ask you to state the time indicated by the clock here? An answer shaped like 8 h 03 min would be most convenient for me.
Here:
8 h 59 min
